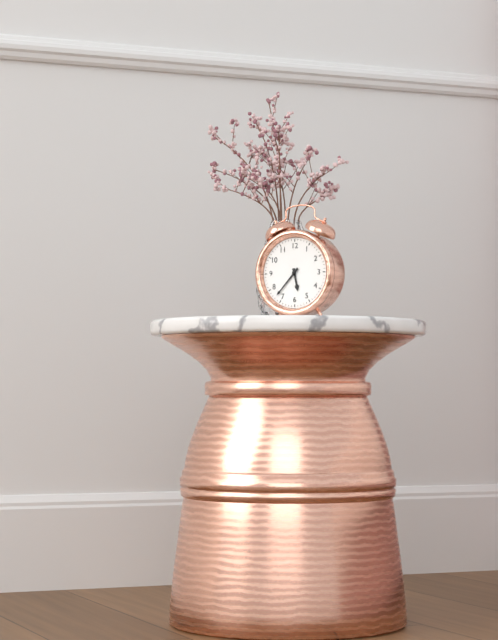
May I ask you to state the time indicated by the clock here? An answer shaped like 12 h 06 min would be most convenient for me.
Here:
5 h 37 min
